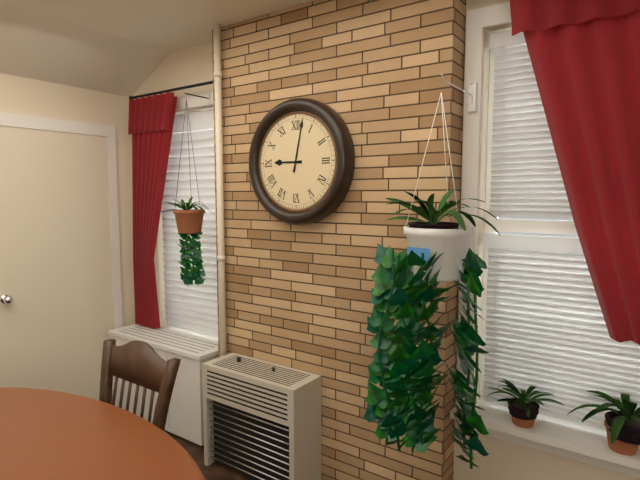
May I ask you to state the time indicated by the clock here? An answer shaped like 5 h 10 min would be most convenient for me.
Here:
9 h 02 min
